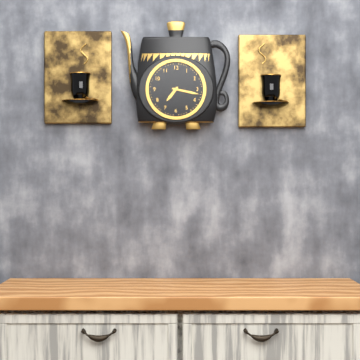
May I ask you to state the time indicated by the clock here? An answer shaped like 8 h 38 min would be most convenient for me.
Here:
7 h 17 min
